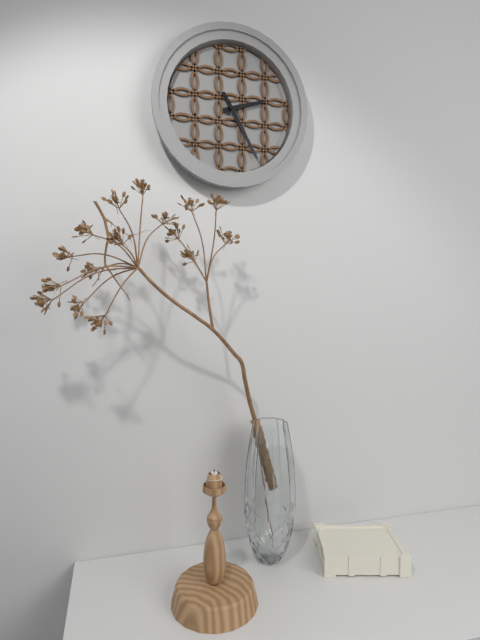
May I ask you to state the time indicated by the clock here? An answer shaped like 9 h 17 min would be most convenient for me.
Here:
2 h 25 min
